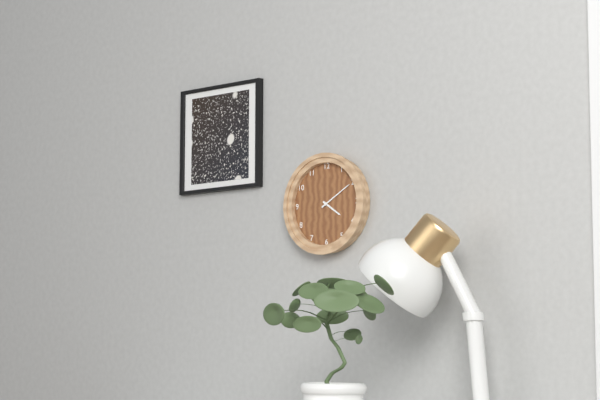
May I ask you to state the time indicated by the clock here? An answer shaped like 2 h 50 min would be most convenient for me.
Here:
4 h 10 min
